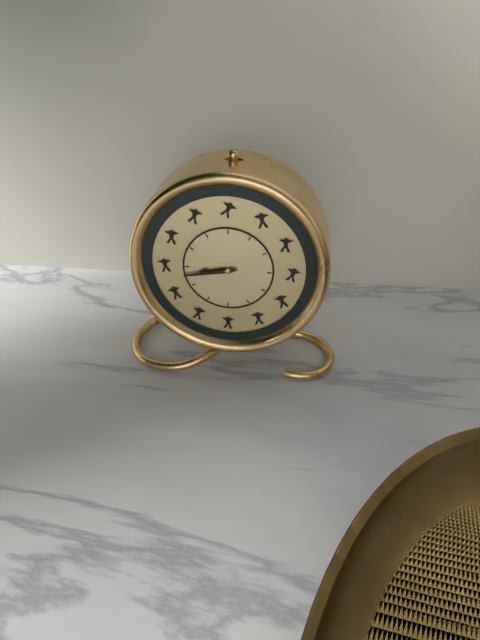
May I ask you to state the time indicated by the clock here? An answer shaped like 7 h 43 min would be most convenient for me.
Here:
8 h 43 min
